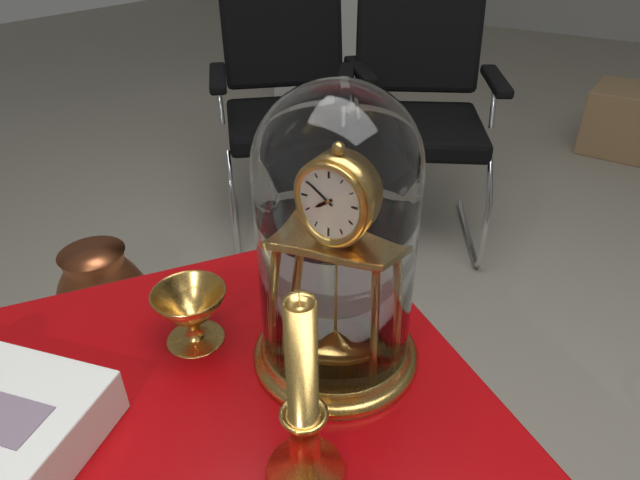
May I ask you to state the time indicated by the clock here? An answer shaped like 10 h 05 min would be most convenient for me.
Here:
7 h 51 min
